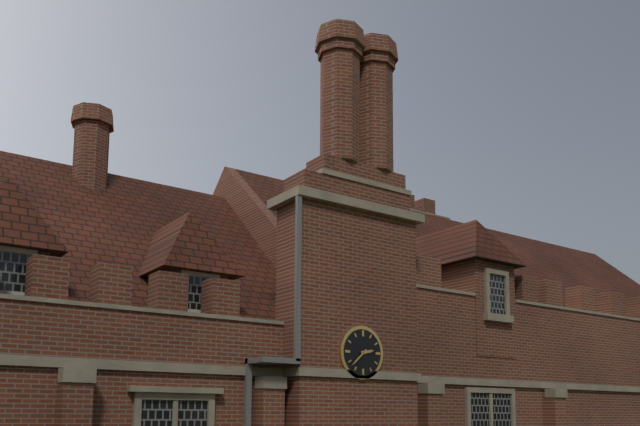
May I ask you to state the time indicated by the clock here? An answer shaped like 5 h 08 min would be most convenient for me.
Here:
2 h 38 min
